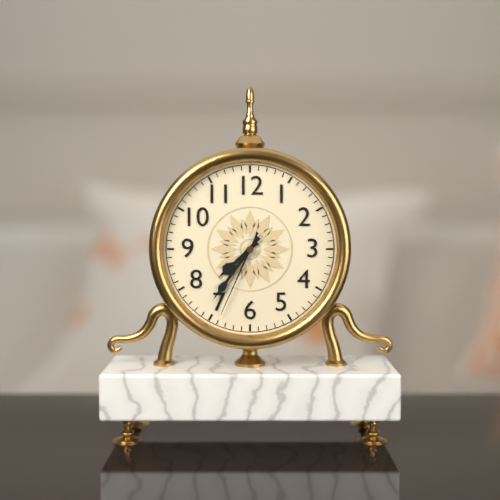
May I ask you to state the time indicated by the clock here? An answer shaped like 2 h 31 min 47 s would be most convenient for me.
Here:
7 h 36 min 34 s
